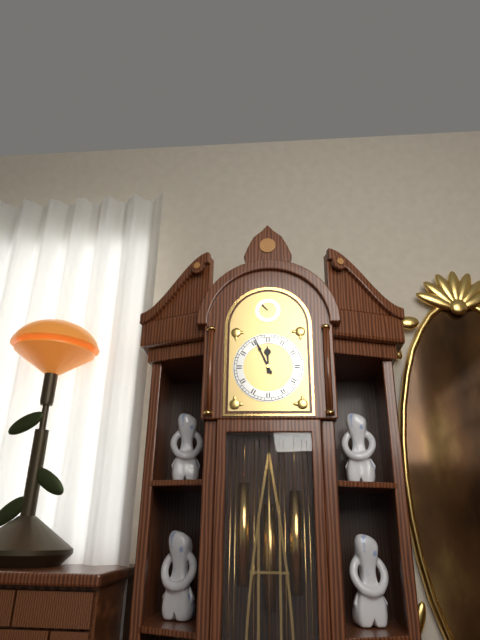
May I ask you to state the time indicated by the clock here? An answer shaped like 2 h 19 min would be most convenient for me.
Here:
11 h 56 min
